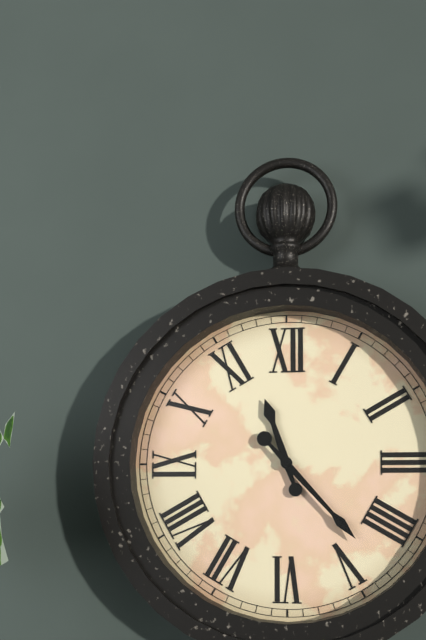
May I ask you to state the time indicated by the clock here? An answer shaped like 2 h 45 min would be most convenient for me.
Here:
11 h 23 min
